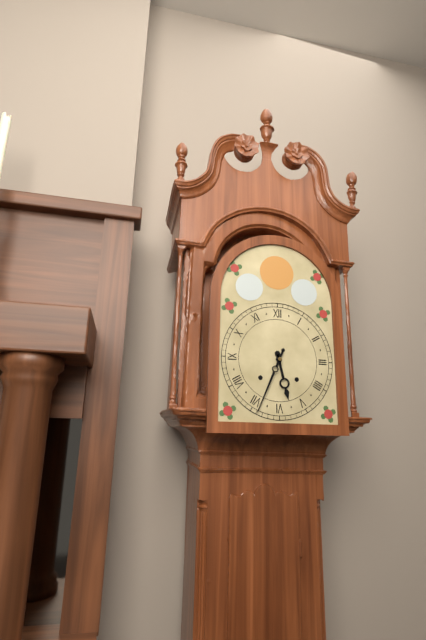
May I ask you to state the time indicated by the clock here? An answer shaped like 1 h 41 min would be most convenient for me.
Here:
5 h 34 min
